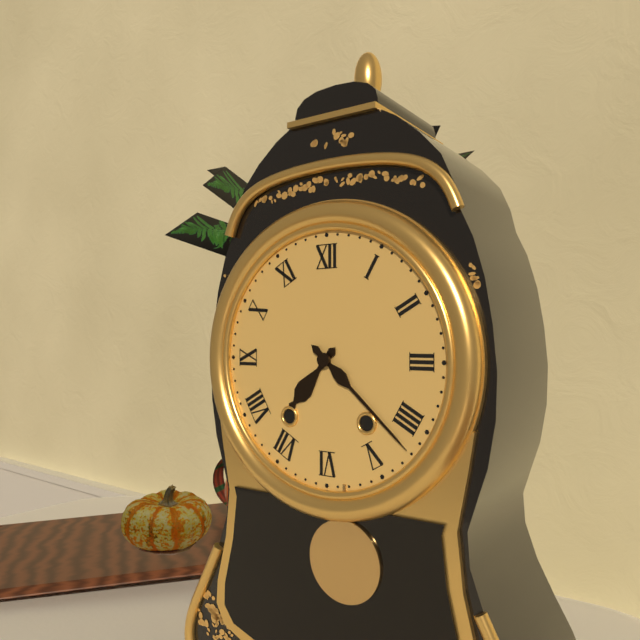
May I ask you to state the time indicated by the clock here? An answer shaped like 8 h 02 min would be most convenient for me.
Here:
7 h 22 min
